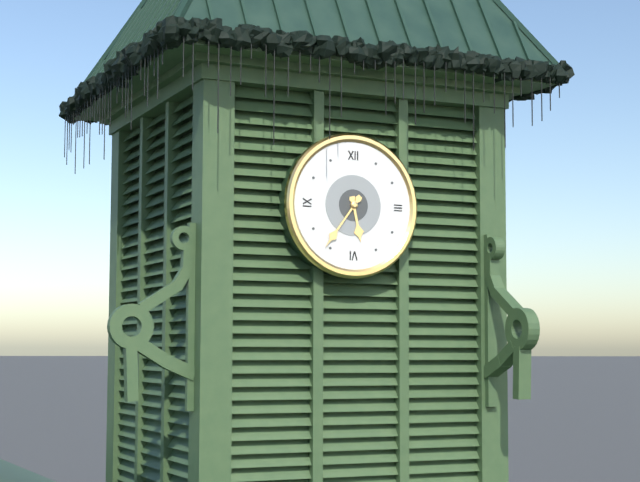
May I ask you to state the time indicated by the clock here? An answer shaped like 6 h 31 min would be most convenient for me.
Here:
5 h 36 min
